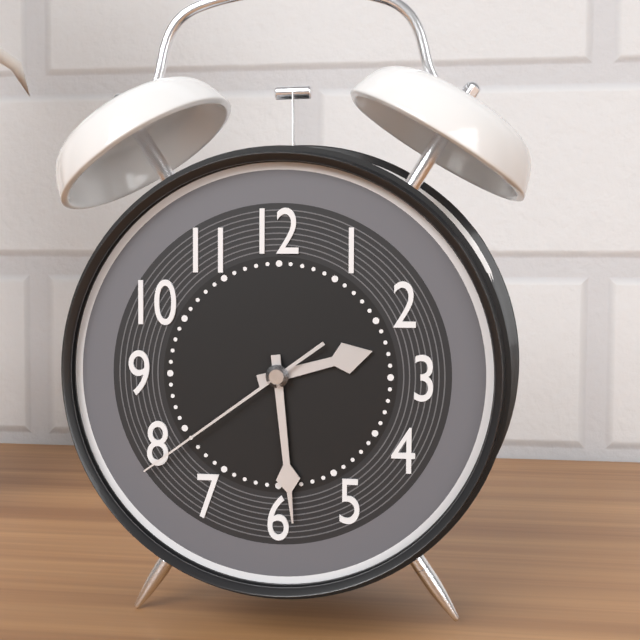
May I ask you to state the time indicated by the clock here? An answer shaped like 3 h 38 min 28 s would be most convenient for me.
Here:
2 h 29 min 39 s
